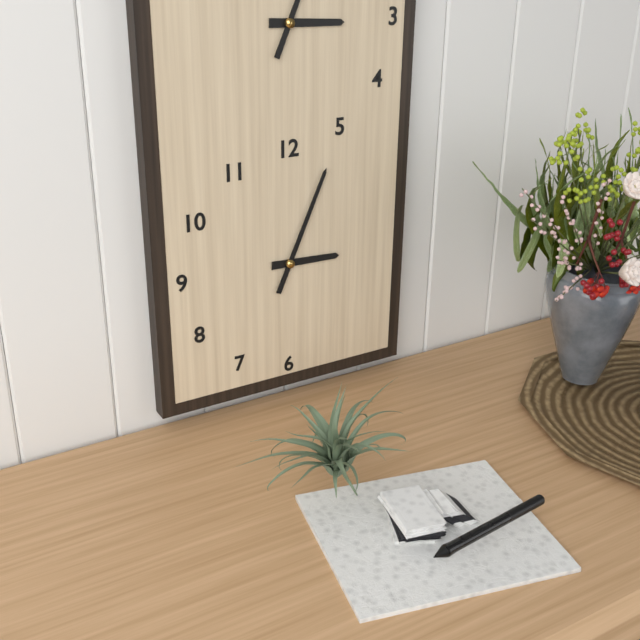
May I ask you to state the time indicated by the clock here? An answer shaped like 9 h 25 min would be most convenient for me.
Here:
3 h 04 min
